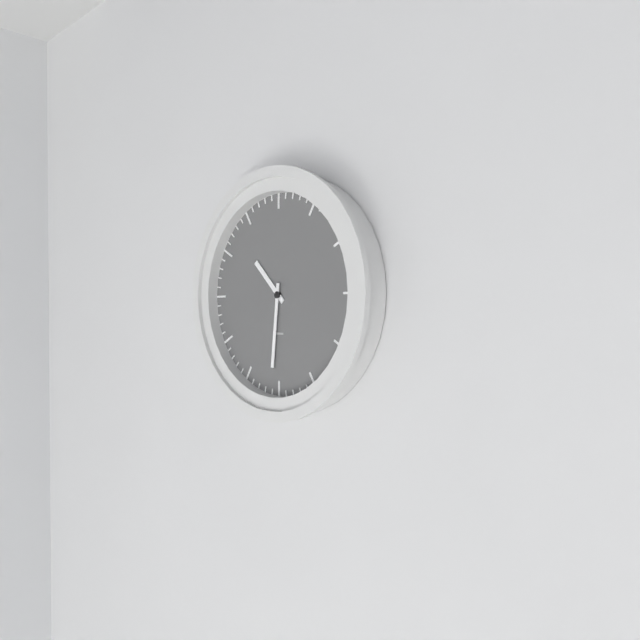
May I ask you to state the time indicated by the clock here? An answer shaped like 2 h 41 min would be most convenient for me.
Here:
10 h 31 min
